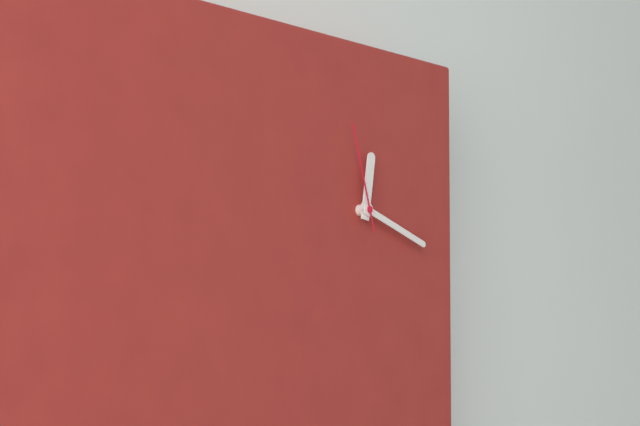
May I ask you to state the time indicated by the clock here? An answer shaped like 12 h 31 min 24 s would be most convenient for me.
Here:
12 h 18 min 57 s
